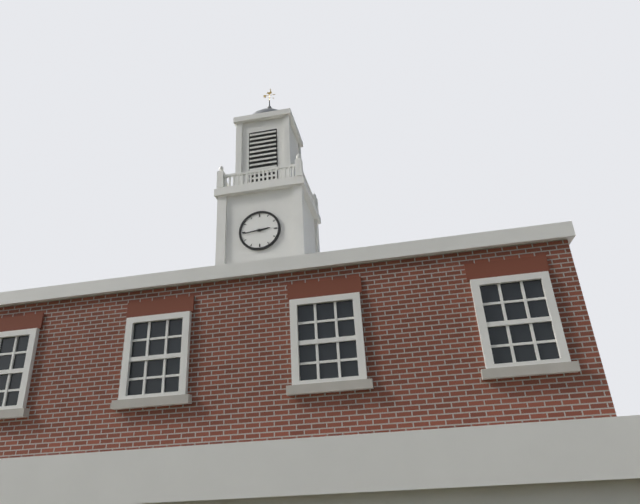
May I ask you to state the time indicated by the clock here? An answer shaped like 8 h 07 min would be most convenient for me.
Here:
2 h 44 min
